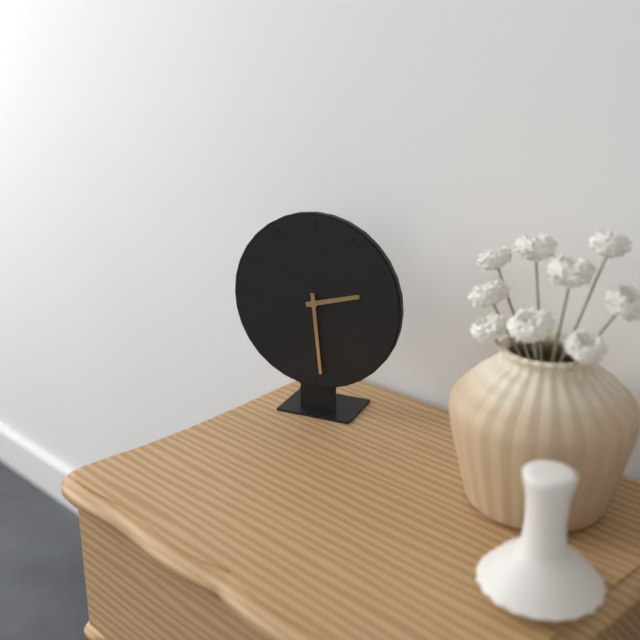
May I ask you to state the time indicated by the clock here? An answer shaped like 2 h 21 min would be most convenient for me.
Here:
2 h 29 min
